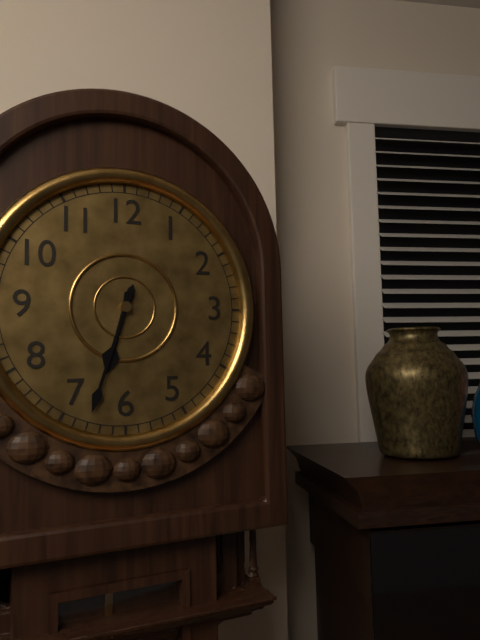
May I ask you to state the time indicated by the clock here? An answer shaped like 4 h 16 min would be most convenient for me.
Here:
6 h 33 min
